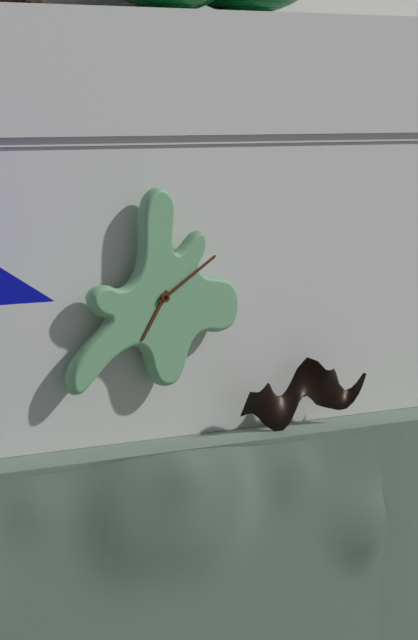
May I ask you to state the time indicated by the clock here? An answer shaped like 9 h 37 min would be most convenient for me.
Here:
7 h 10 min
